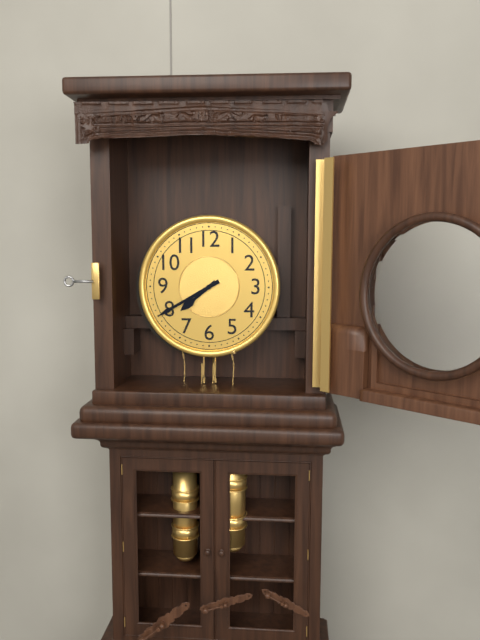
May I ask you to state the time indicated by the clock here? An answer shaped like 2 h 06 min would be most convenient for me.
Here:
7 h 40 min
